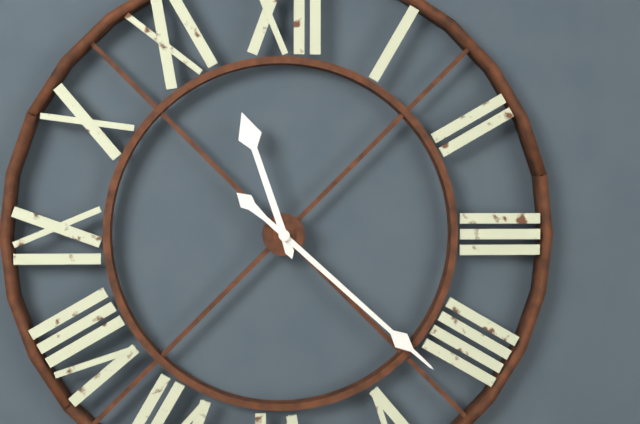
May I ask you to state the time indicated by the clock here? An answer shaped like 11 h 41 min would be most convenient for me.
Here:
11 h 22 min
